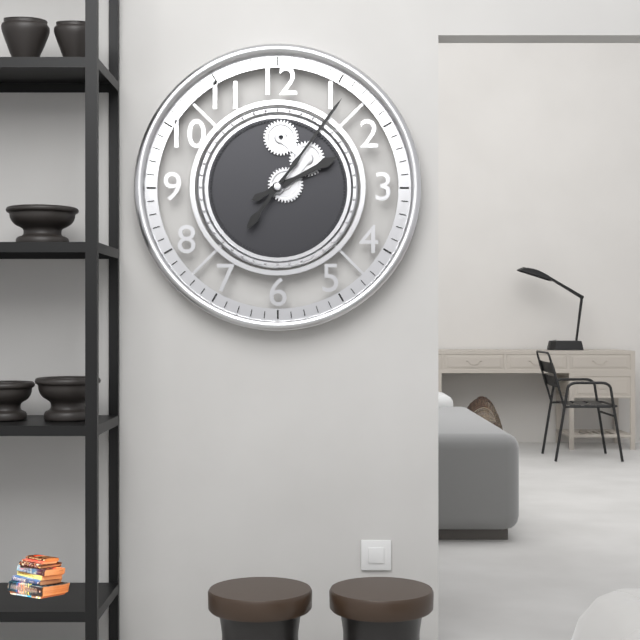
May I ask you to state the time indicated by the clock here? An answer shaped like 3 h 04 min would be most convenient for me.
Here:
2 h 06 min
